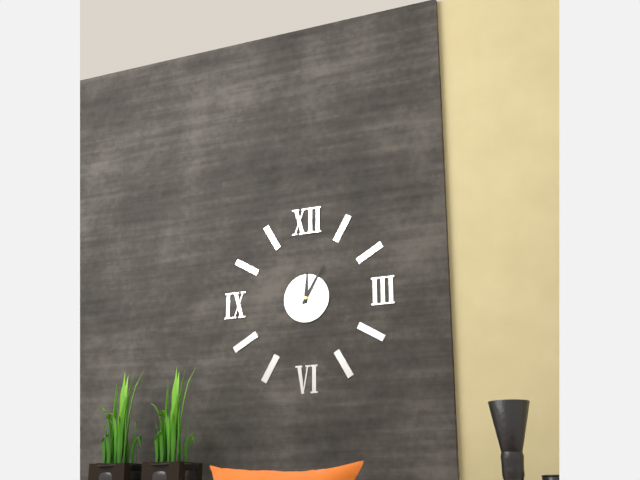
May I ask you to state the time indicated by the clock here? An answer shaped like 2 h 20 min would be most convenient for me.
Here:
12 h 05 min
